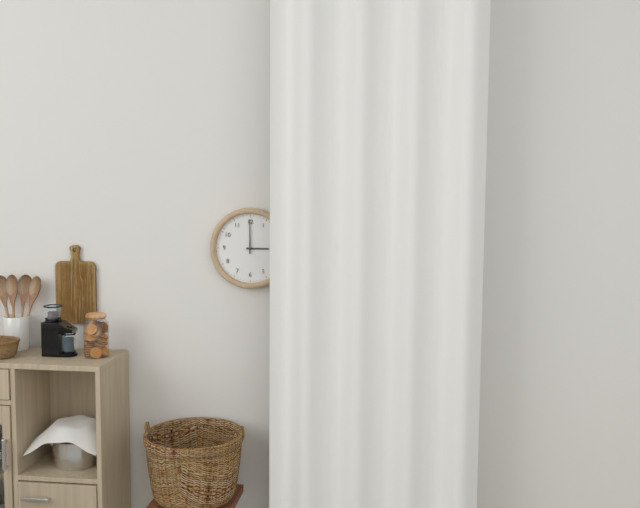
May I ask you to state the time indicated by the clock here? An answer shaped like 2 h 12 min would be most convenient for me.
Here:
3 h 00 min
